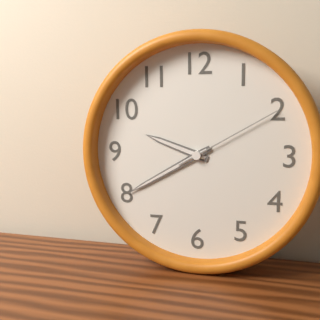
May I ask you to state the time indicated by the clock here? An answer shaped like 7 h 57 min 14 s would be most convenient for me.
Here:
9 h 40 min 10 s
